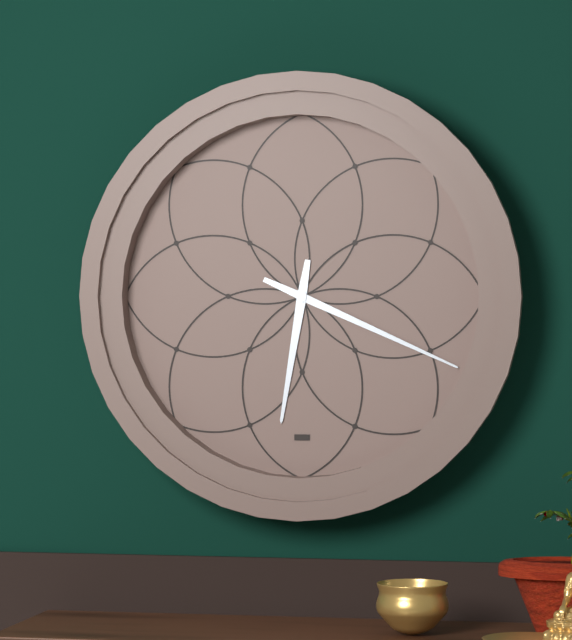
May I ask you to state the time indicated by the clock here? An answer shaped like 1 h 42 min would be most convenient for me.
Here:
6 h 19 min
